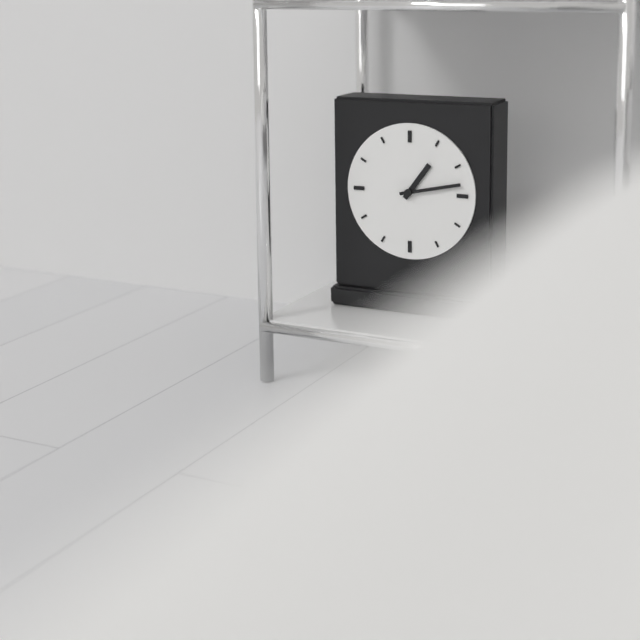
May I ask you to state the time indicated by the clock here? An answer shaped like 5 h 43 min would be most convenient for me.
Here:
1 h 13 min
